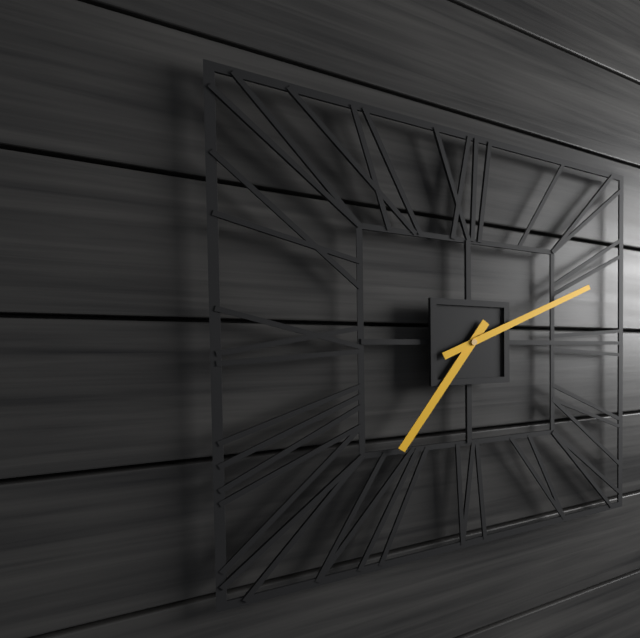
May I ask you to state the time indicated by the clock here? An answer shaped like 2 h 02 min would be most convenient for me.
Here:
7 h 11 min
